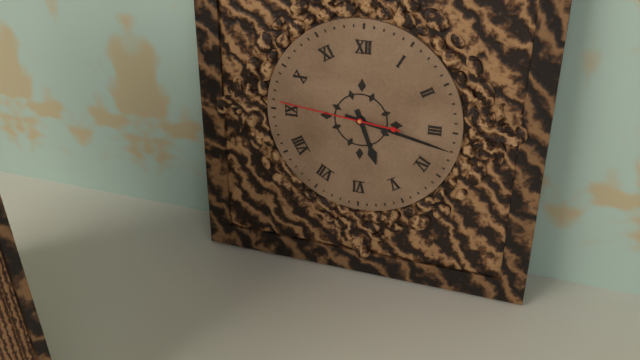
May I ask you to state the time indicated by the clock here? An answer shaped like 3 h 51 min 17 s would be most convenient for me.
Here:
5 h 17 min 46 s
